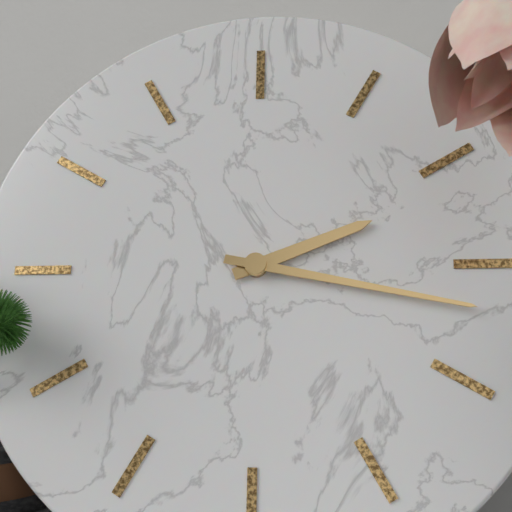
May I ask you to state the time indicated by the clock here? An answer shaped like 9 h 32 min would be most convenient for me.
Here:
2 h 17 min
